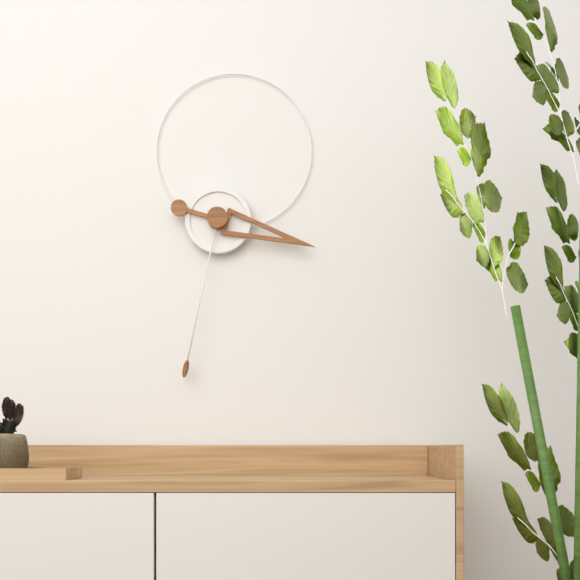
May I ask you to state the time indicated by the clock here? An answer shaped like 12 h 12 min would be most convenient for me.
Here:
3 h 32 min
